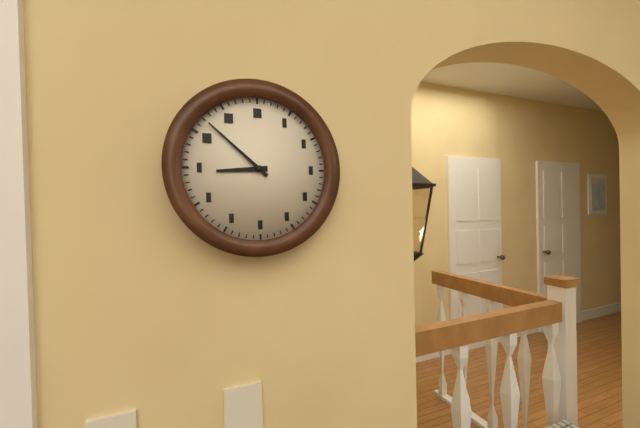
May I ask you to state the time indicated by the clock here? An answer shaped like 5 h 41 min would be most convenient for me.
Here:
8 h 52 min
